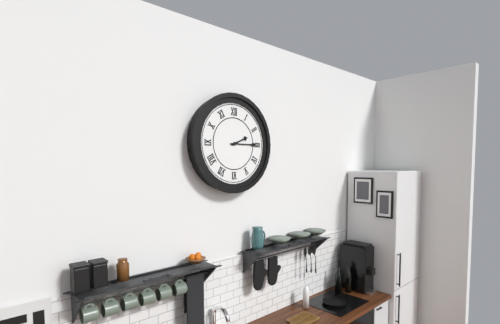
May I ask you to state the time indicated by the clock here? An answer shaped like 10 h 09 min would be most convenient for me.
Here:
2 h 15 min
